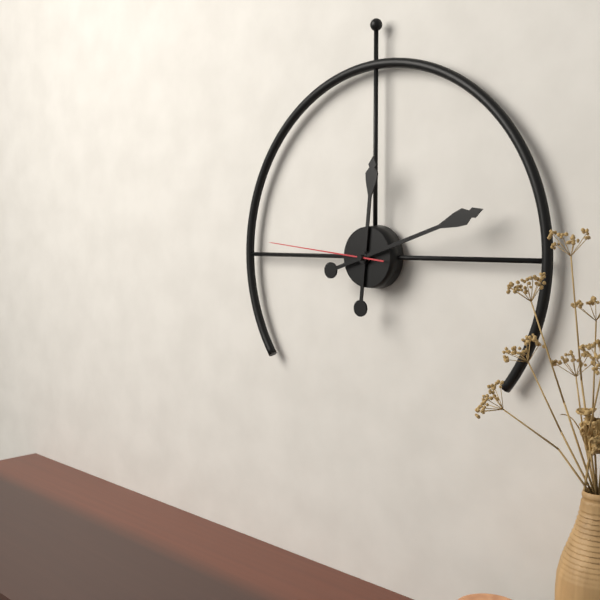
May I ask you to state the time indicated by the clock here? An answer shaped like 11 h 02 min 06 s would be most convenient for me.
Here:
12 h 12 min 46 s
